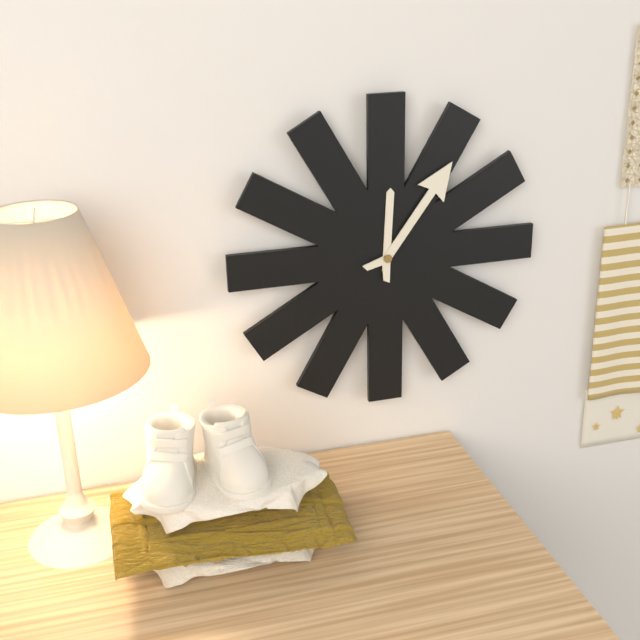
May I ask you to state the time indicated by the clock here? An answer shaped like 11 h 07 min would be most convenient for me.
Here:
12 h 06 min
